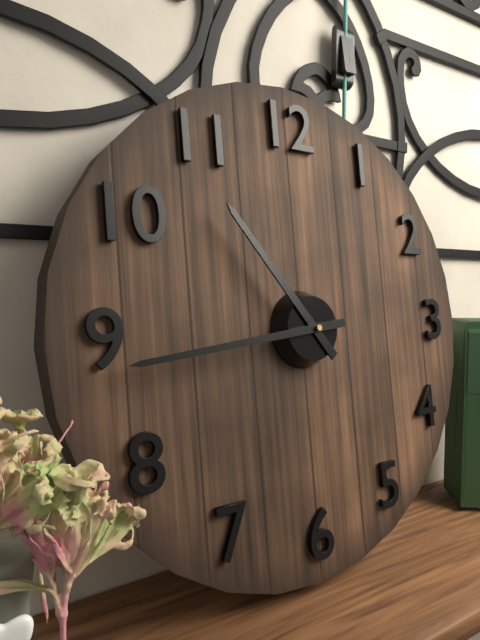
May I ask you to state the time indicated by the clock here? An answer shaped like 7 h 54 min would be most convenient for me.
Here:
10 h 44 min
